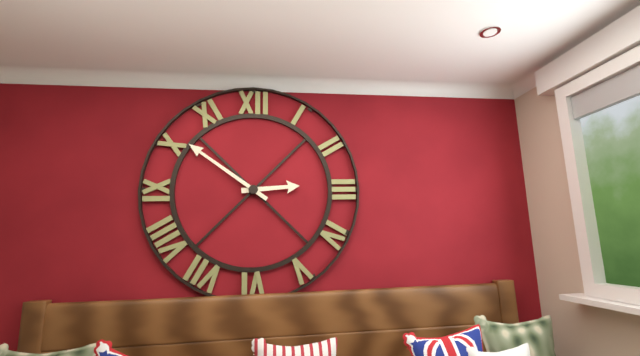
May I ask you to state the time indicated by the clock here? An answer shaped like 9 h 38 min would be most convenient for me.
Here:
2 h 51 min
